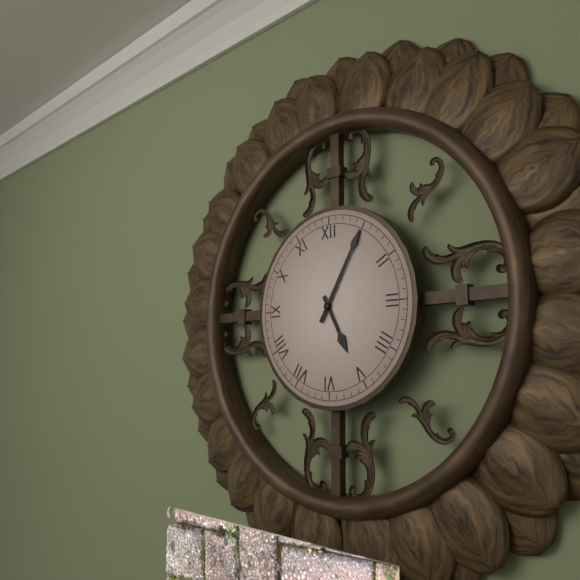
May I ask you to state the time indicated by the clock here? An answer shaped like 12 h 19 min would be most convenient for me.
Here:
5 h 05 min
